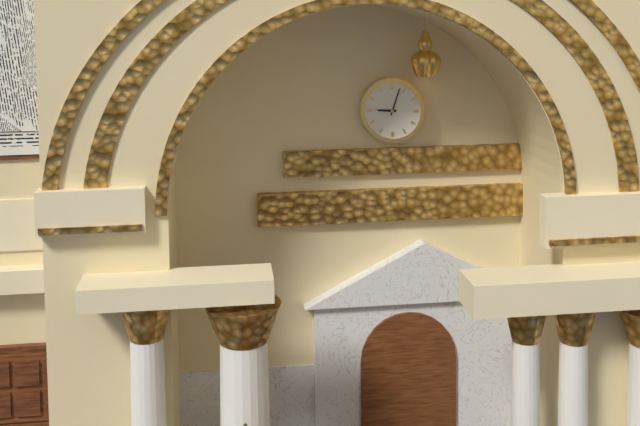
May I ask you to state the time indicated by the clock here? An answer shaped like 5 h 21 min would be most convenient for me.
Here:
9 h 03 min
